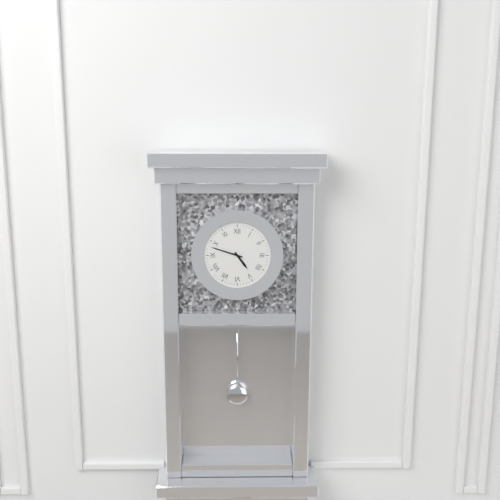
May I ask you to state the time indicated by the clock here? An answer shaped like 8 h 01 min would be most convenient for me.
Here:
4 h 48 min
